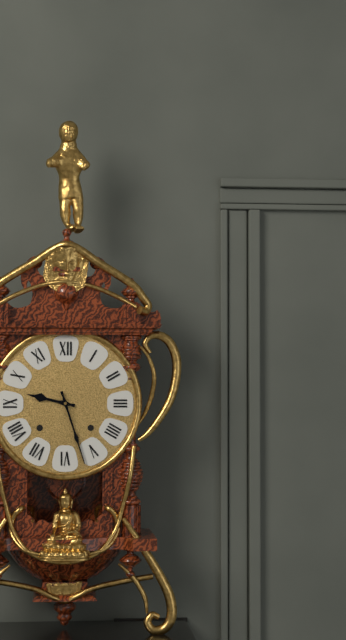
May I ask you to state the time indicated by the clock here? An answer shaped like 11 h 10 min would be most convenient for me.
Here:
9 h 27 min
